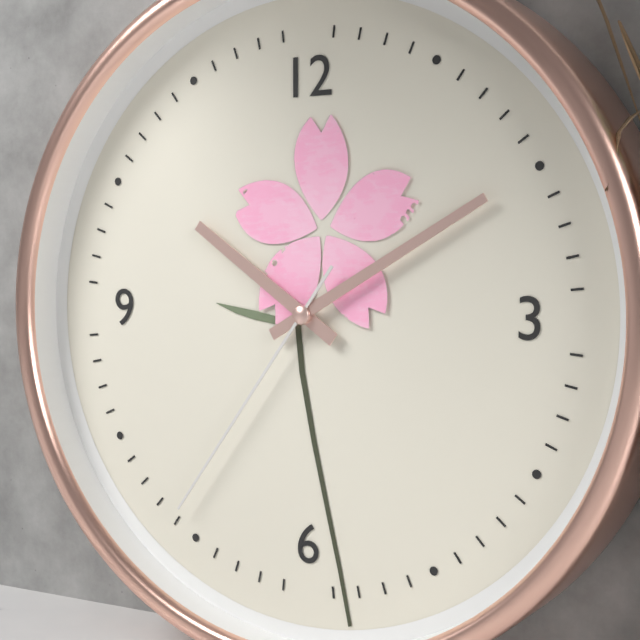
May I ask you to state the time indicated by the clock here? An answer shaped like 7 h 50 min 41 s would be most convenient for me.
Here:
10 h 10 min 36 s
